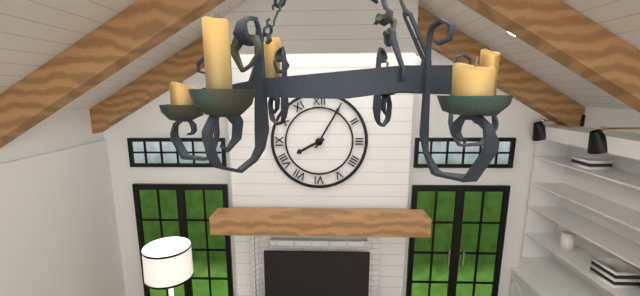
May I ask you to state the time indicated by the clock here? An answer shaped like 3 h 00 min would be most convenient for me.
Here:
8 h 05 min
